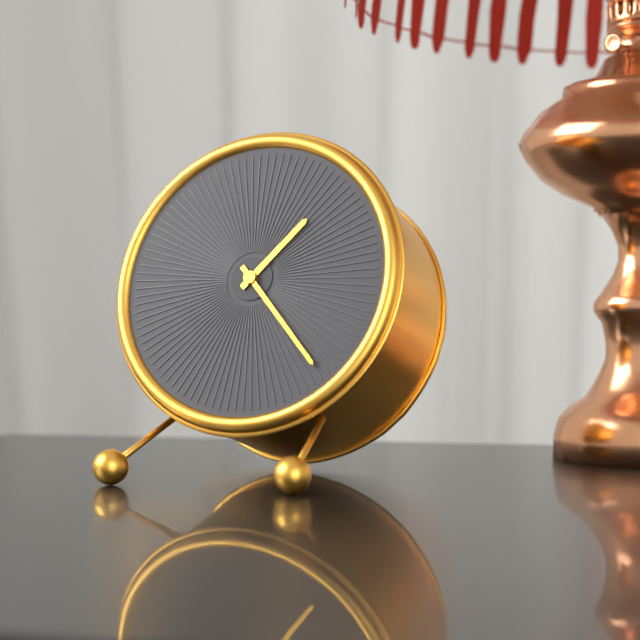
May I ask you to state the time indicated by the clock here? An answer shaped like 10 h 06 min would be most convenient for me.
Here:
1 h 23 min
